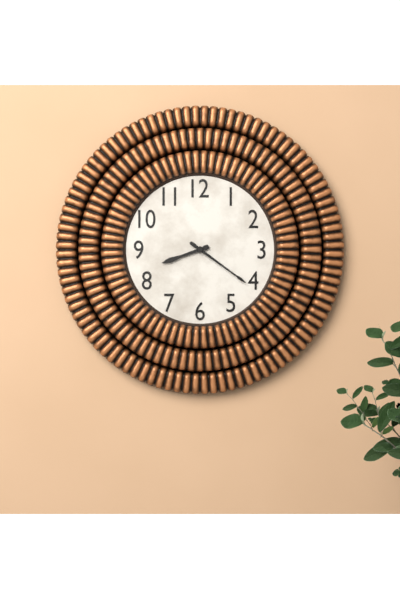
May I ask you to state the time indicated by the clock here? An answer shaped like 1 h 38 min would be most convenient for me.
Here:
8 h 21 min
